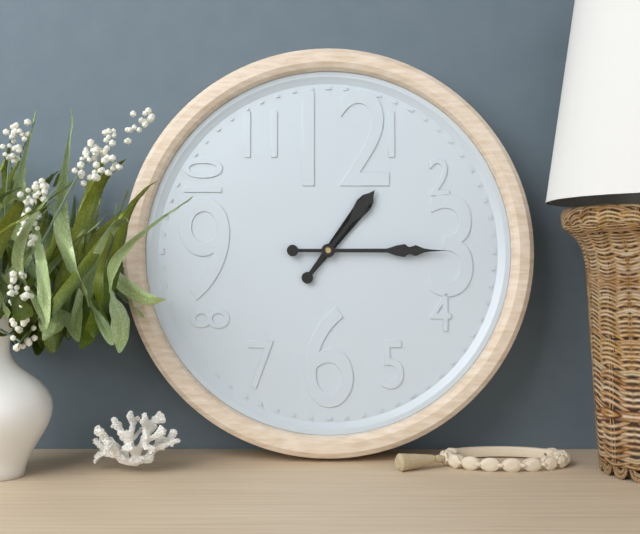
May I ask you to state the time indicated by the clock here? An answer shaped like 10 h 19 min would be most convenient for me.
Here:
1 h 15 min
